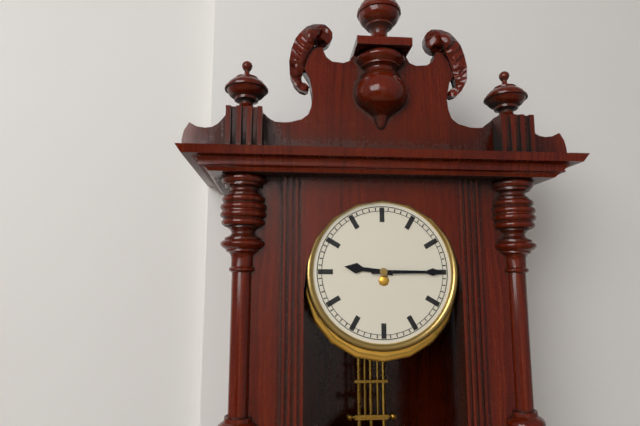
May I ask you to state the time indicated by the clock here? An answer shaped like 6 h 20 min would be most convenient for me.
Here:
9 h 15 min
